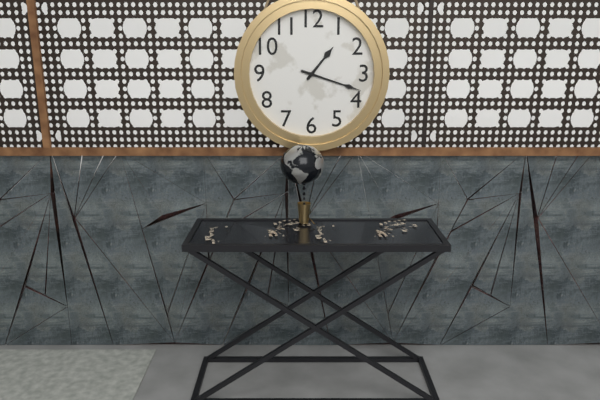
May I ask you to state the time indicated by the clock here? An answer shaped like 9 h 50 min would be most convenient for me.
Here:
1 h 18 min
